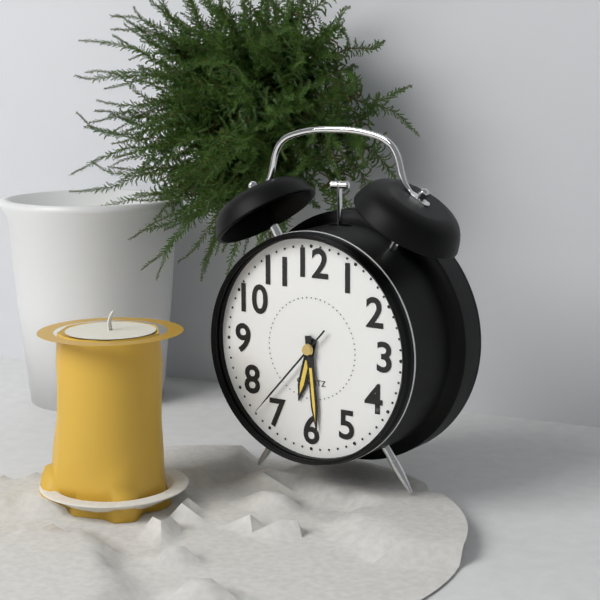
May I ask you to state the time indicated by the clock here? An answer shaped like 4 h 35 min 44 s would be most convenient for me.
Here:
6 h 29 min 37 s
